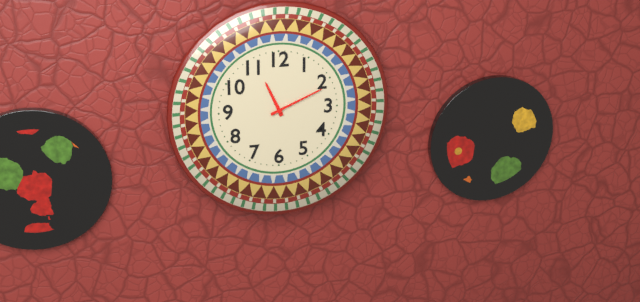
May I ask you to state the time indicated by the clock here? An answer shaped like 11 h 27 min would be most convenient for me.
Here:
11 h 11 min
